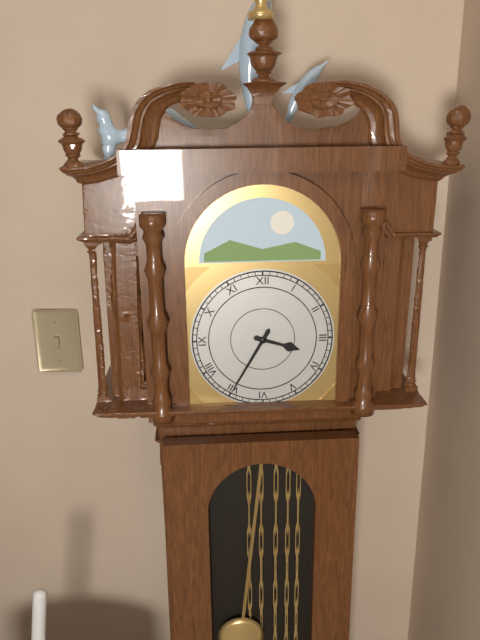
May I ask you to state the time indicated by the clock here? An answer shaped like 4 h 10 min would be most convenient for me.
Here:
3 h 35 min
